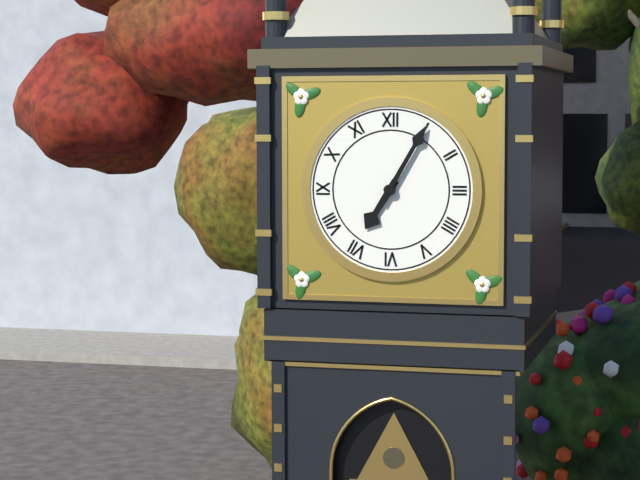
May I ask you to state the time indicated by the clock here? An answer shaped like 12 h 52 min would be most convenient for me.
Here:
7 h 05 min
